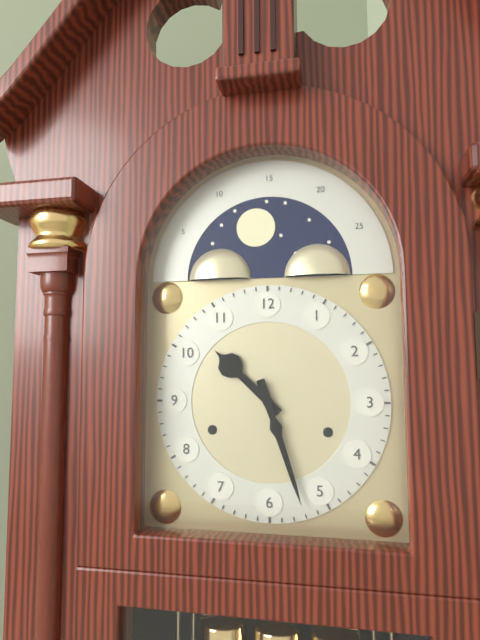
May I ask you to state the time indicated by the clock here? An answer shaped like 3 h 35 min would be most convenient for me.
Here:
10 h 27 min
